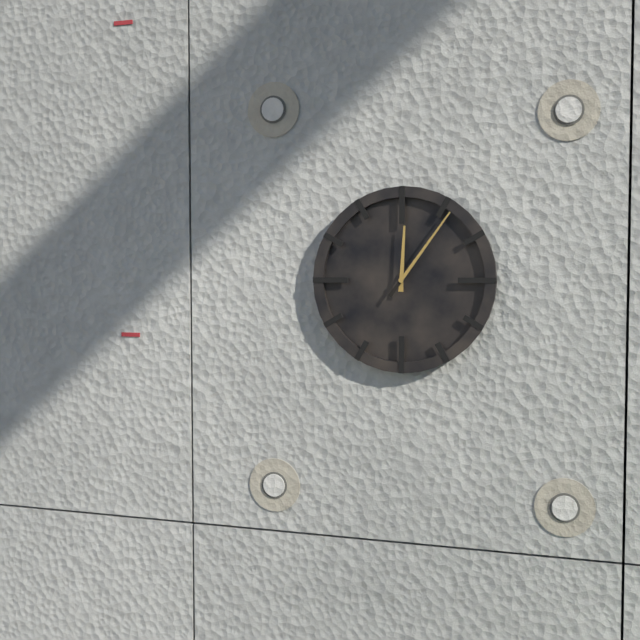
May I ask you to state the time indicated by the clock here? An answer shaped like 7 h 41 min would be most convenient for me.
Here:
12 h 06 min
